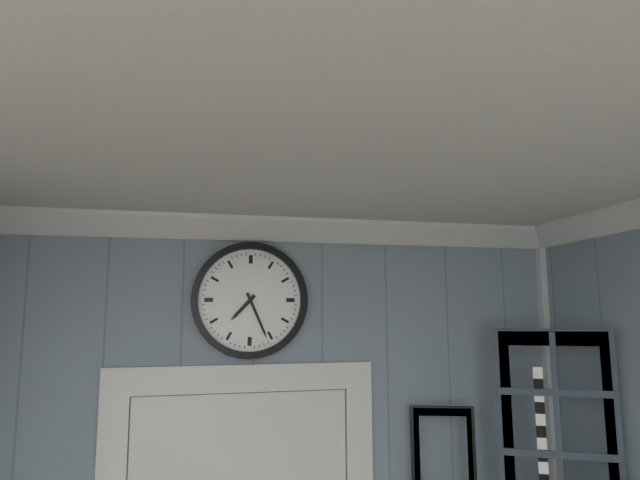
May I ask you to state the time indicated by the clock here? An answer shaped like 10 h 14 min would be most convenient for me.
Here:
7 h 26 min
